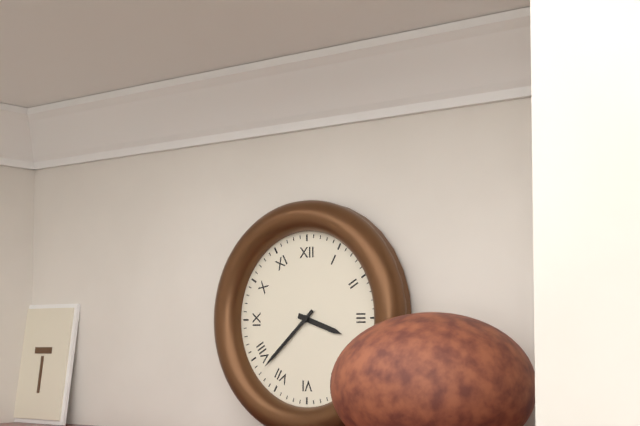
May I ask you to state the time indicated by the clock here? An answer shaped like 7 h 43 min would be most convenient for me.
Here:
3 h 38 min
